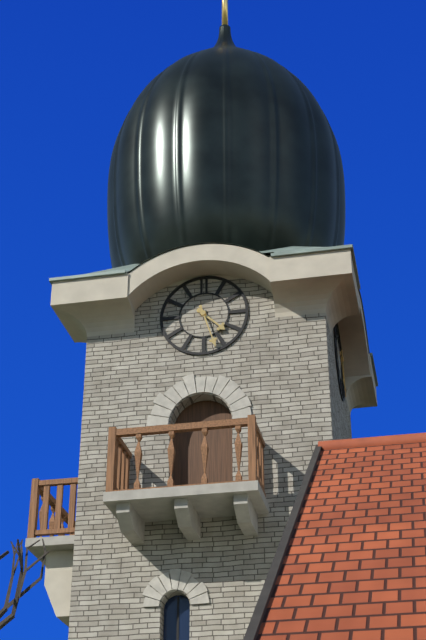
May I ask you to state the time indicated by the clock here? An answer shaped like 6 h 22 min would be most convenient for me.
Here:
4 h 27 min
